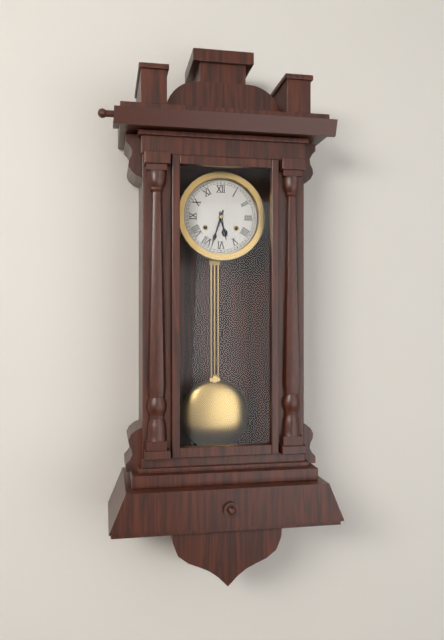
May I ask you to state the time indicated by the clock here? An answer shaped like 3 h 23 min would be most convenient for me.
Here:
5 h 33 min
